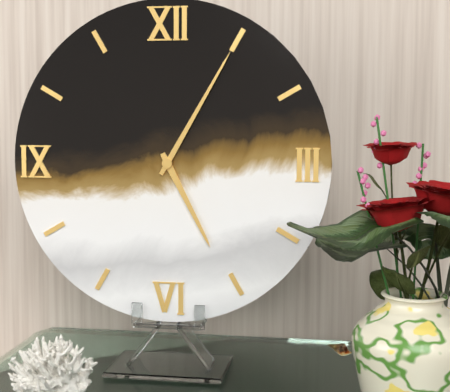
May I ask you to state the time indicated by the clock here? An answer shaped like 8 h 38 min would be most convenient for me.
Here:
5 h 05 min
